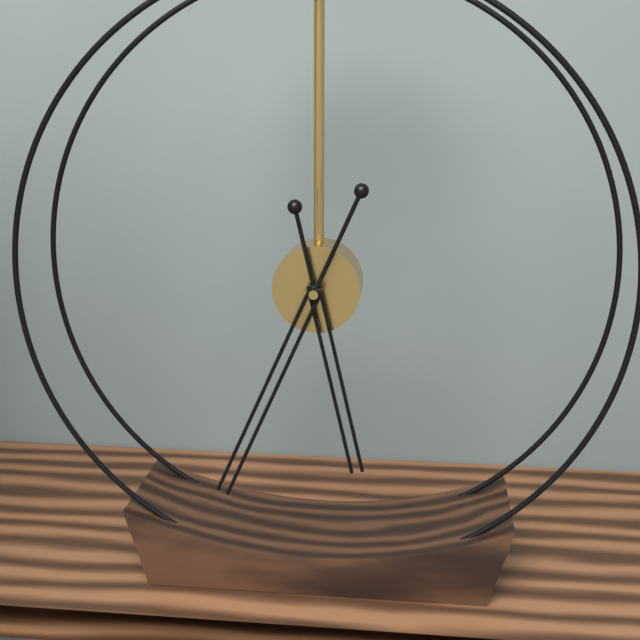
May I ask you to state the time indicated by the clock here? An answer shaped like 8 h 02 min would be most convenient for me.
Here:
5 h 34 min
